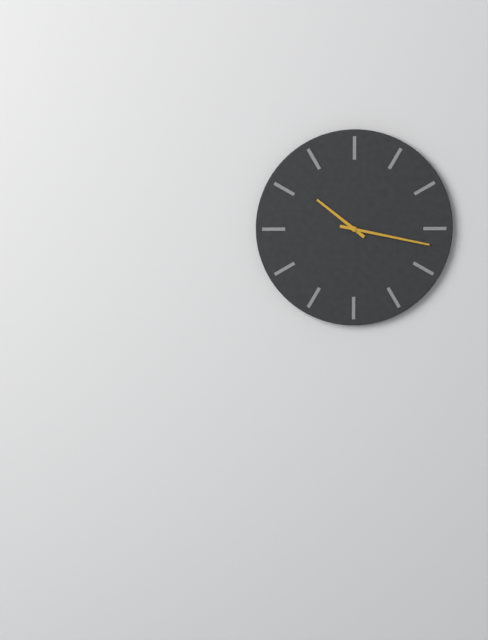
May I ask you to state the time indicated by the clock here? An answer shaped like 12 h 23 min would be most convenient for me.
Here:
10 h 17 min
